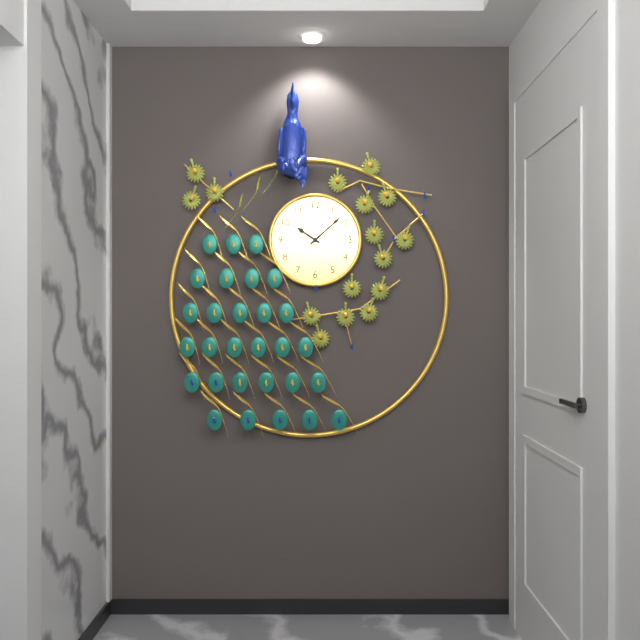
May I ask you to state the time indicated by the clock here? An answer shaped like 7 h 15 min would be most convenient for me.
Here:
10 h 08 min
